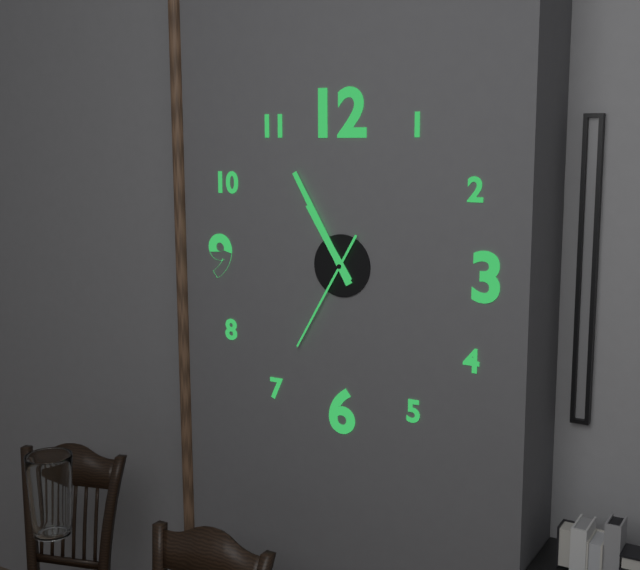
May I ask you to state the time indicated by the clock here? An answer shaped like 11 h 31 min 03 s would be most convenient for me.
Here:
10 h 55 min 35 s
